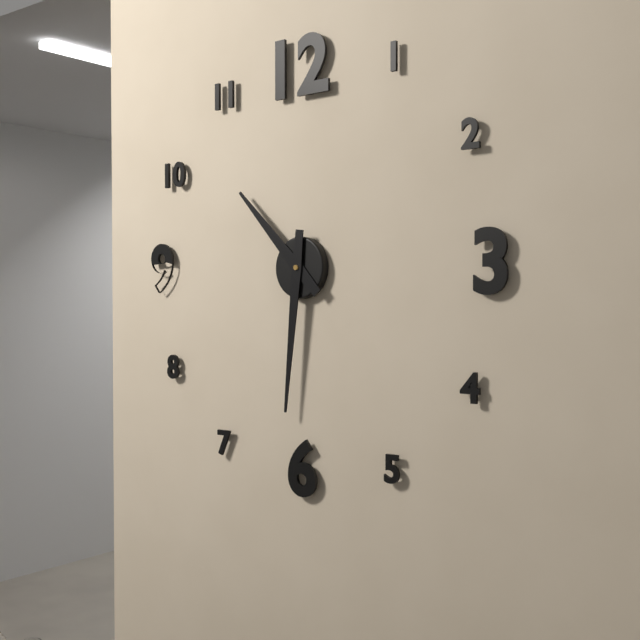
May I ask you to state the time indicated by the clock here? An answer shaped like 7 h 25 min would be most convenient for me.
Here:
10 h 31 min
